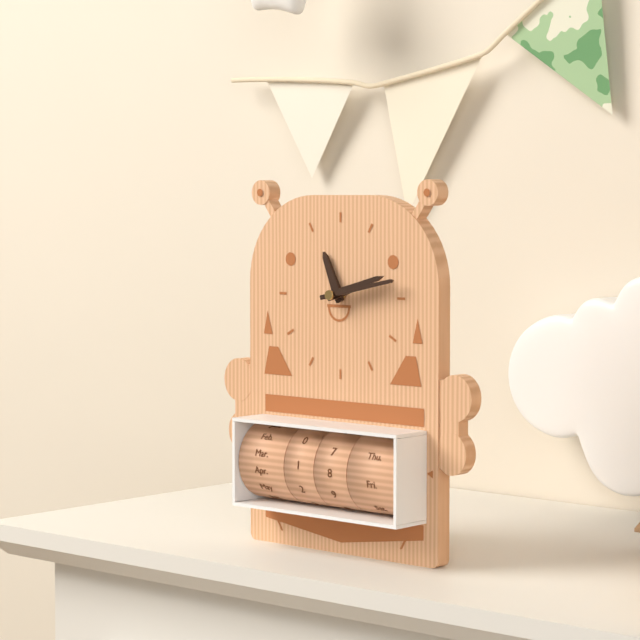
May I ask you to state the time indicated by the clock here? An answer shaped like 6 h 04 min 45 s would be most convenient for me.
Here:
11 h 12 min 13 s
